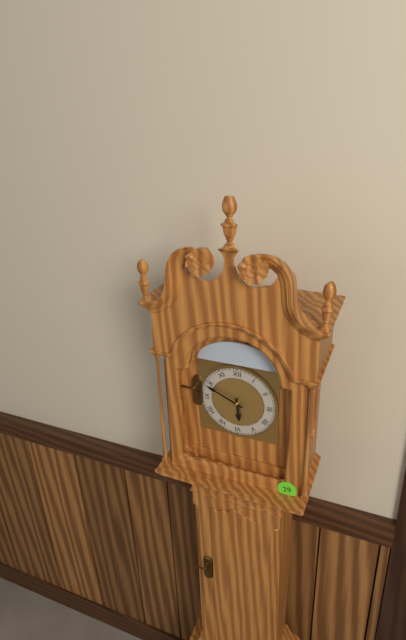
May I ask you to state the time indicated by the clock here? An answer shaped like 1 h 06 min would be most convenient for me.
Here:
5 h 49 min
